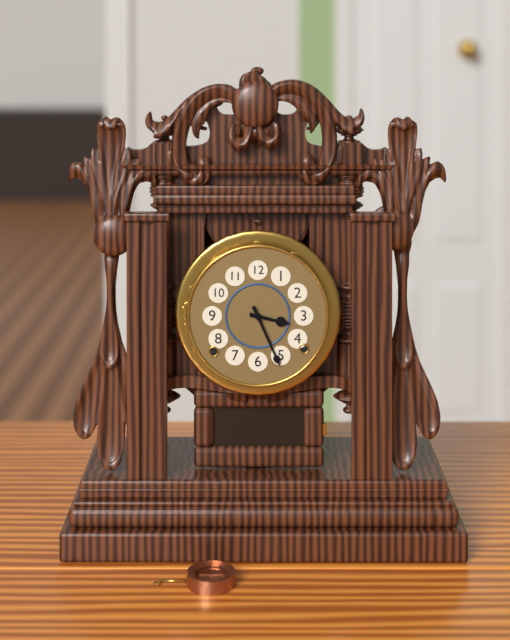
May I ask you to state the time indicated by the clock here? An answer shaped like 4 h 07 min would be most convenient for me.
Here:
3 h 26 min
